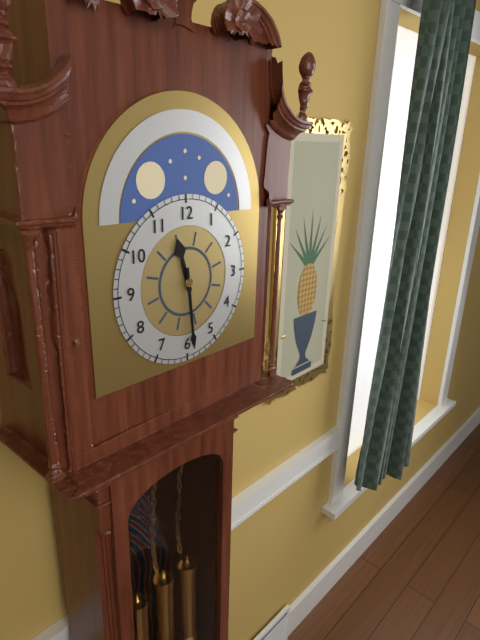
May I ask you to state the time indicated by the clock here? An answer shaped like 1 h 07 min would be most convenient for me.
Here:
11 h 29 min
